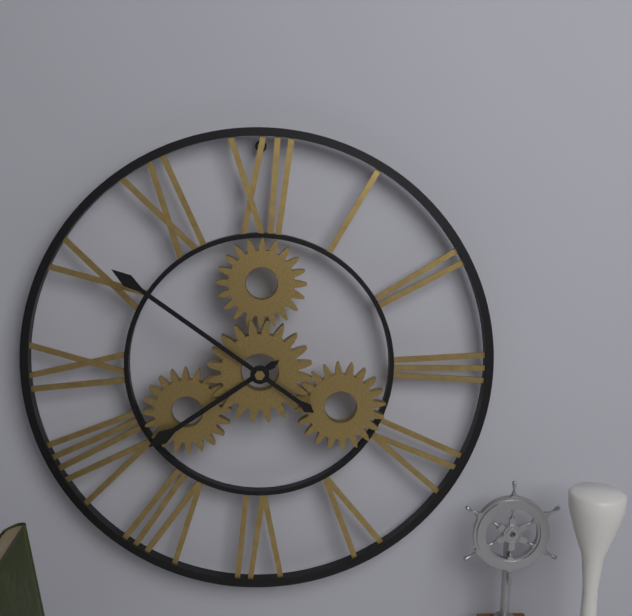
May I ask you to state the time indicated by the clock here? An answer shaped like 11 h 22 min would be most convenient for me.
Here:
7 h 51 min
